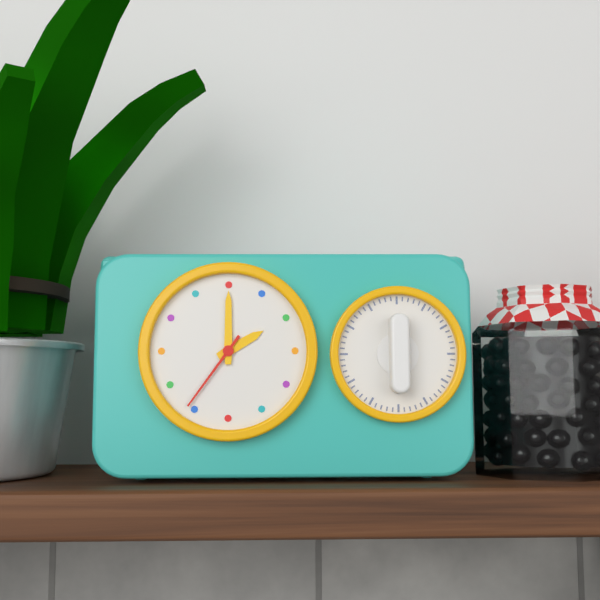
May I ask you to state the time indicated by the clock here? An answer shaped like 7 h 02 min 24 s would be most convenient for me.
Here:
2 h 00 min 36 s
